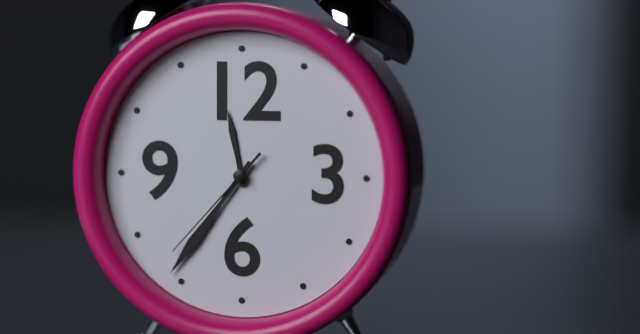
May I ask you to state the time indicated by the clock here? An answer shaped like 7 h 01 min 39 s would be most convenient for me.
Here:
11 h 36 min 37 s
